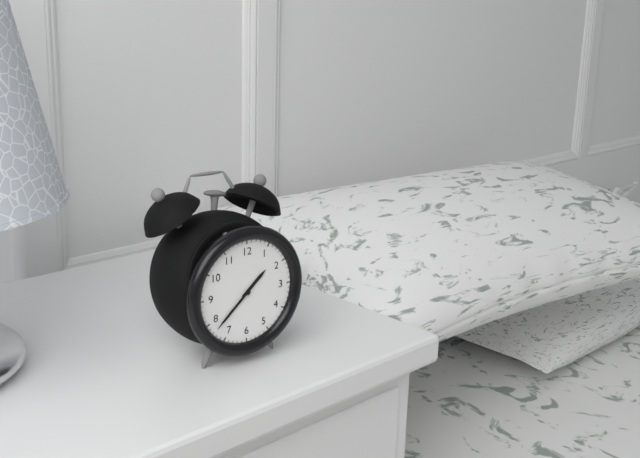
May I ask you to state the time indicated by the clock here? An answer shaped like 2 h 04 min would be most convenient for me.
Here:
1 h 38 min
